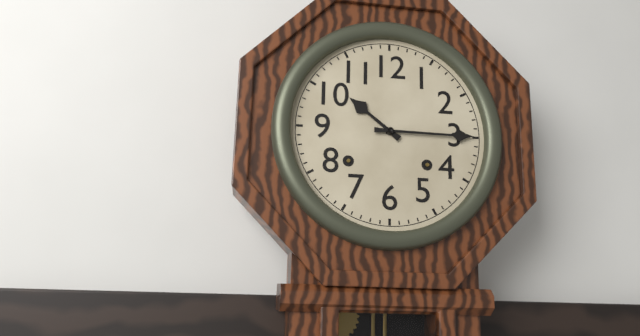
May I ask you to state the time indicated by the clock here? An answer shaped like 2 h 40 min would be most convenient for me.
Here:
10 h 15 min
